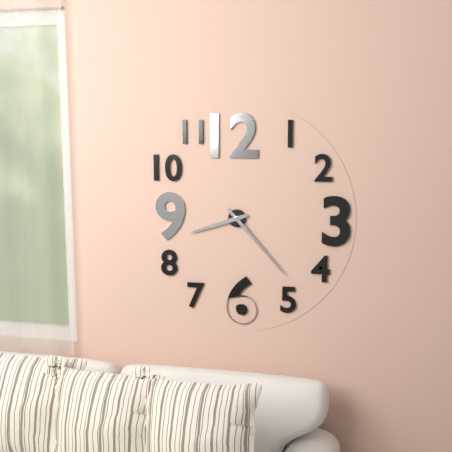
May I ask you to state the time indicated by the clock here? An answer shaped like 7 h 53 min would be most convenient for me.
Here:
8 h 23 min
